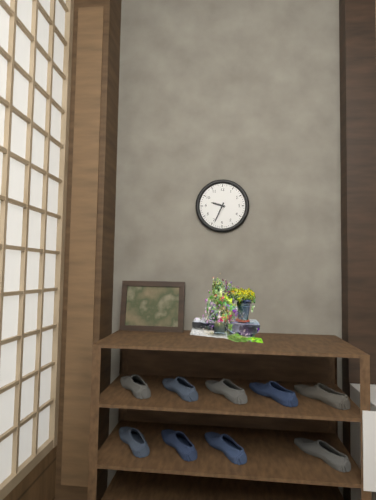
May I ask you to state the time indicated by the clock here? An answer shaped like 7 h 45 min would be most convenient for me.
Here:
9 h 34 min
